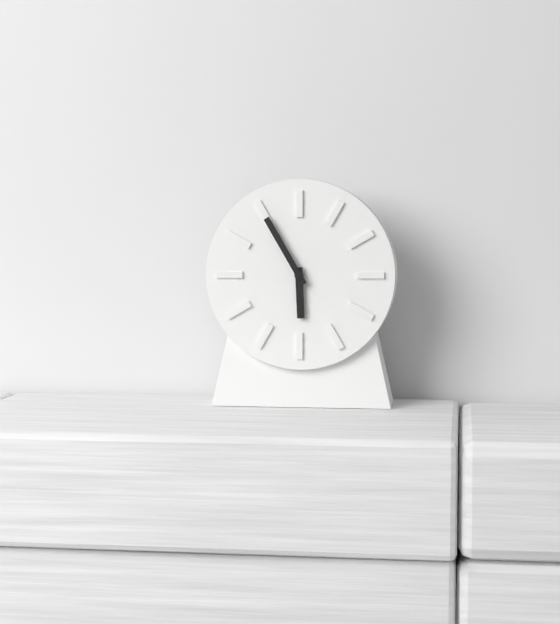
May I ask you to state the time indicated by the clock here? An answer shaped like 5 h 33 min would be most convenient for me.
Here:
5 h 55 min
